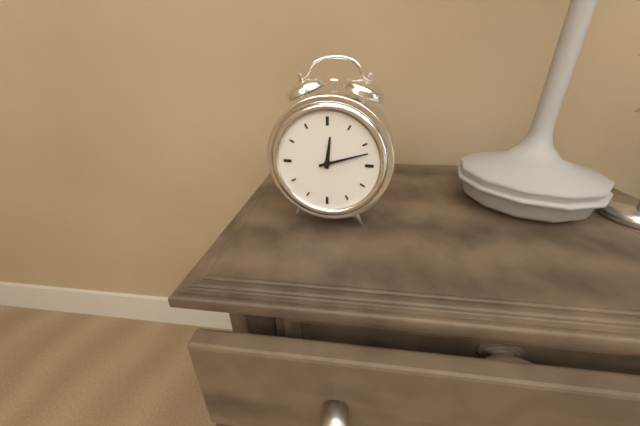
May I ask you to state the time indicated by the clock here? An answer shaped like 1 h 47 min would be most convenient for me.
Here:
12 h 12 min
